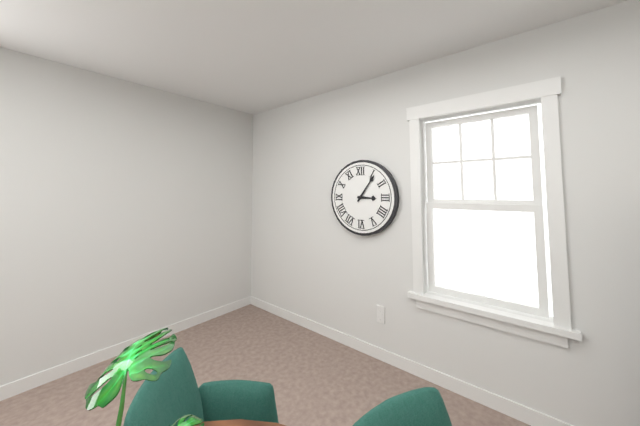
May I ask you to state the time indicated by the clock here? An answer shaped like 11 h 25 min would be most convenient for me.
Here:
3 h 06 min
